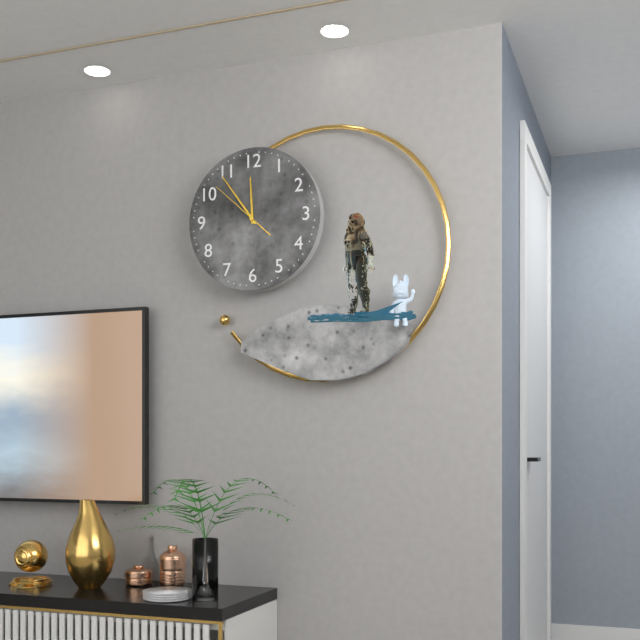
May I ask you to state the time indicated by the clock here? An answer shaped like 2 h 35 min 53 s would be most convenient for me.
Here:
11 h 54 min 52 s
